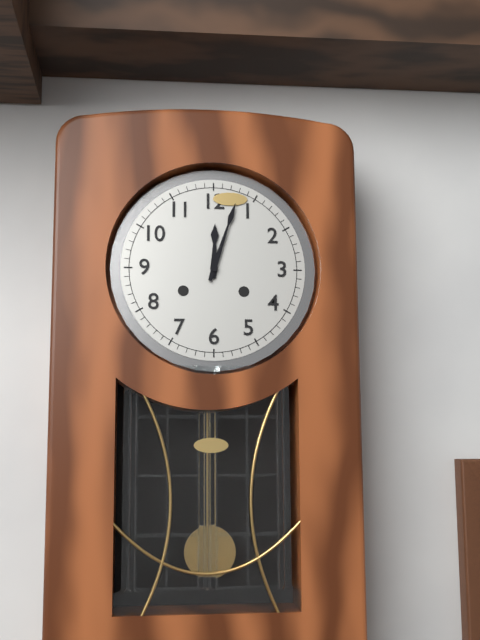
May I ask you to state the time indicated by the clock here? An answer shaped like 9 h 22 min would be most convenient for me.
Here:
12 h 03 min
